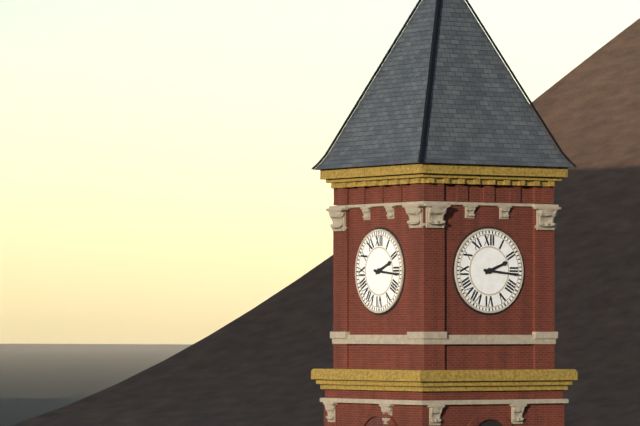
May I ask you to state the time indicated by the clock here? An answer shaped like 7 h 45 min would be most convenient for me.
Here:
2 h 16 min
